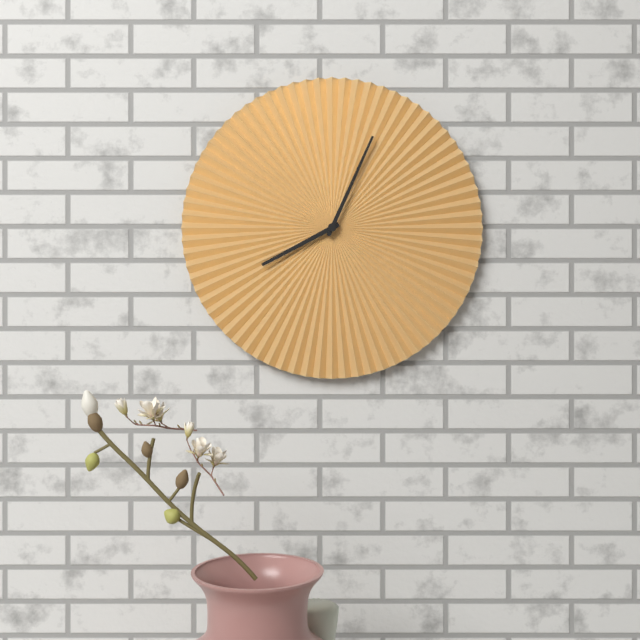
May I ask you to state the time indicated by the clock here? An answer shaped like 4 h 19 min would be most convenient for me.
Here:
8 h 04 min
